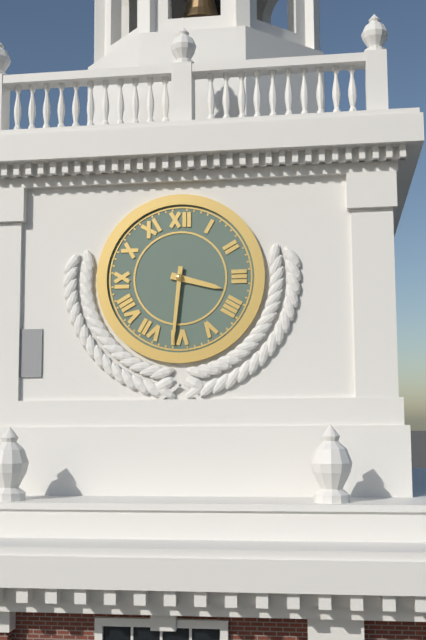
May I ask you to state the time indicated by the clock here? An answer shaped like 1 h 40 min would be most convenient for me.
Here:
3 h 31 min
